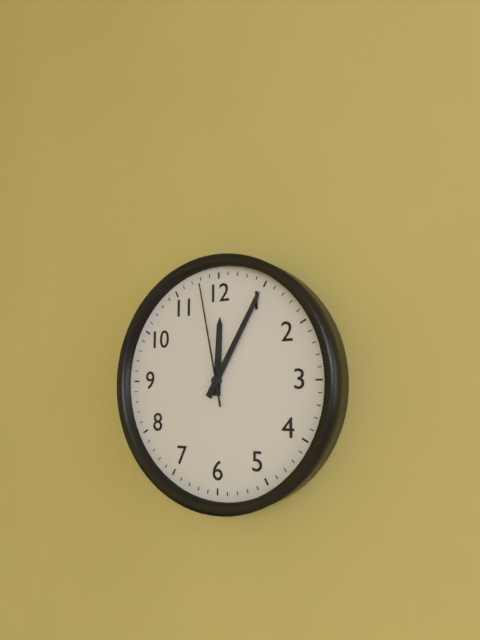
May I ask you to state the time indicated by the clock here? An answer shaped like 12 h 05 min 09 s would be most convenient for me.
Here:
12 h 05 min 58 s
